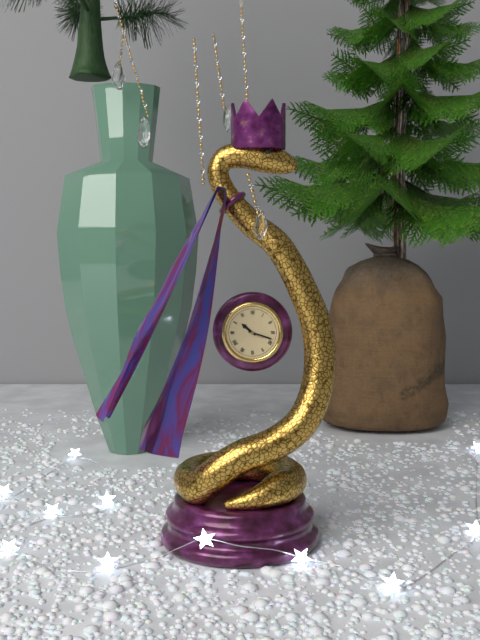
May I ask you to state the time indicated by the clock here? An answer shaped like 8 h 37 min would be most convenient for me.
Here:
10 h 18 min
